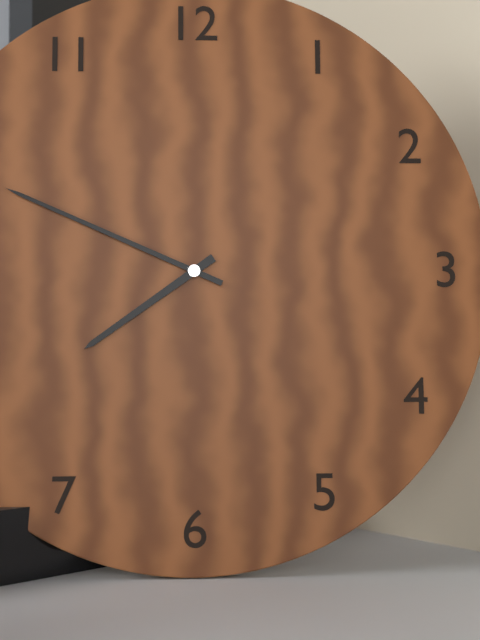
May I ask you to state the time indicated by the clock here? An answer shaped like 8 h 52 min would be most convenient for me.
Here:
7 h 49 min
